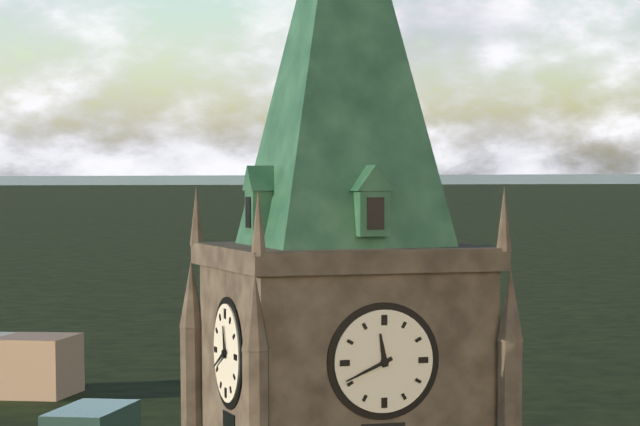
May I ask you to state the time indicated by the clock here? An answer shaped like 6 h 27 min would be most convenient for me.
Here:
11 h 41 min
